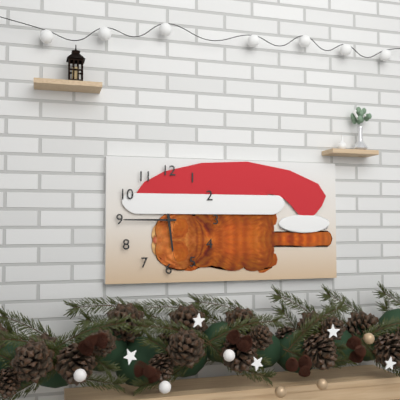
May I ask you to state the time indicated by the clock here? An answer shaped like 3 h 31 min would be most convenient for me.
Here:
5 h 45 min
